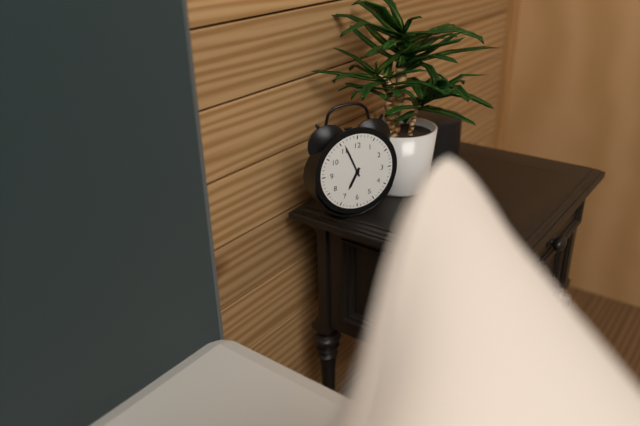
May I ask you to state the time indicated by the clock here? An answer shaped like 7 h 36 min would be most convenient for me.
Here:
6 h 56 min
